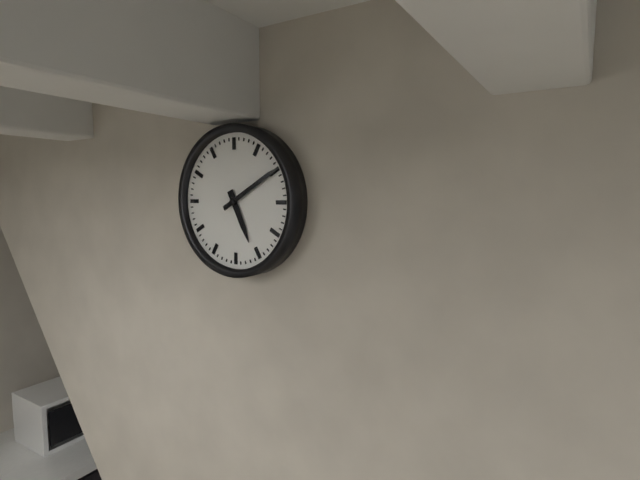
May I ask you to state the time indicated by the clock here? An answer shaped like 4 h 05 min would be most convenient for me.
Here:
5 h 10 min
